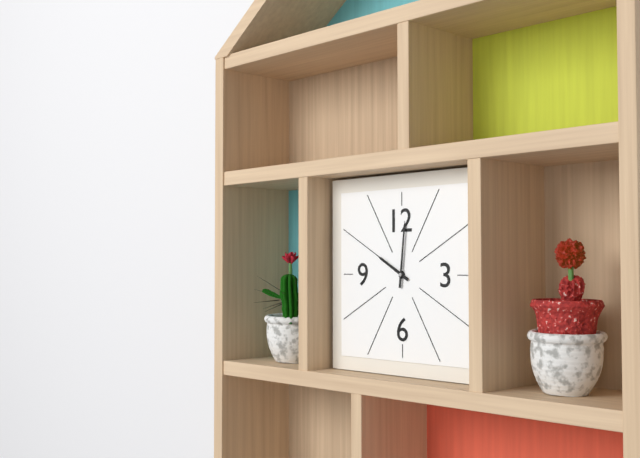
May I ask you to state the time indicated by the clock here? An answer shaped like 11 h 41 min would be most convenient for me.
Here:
10 h 01 min
